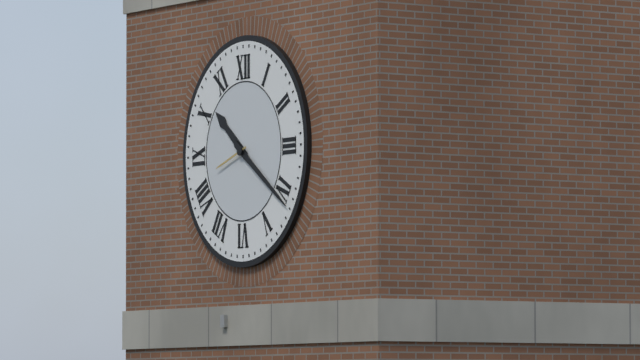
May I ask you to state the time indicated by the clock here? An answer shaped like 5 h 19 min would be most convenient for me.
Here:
10 h 21 min
